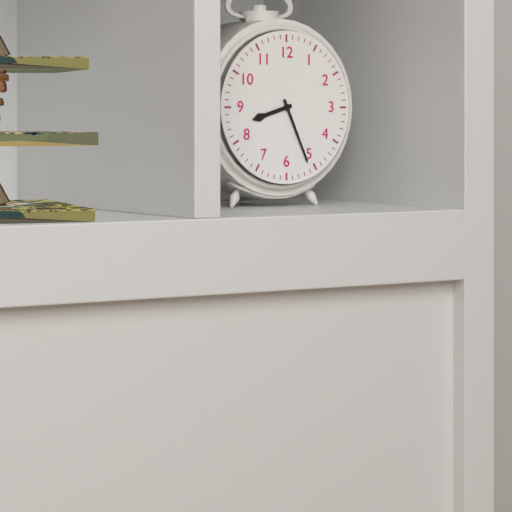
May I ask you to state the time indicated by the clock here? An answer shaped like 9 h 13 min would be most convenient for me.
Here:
8 h 26 min
